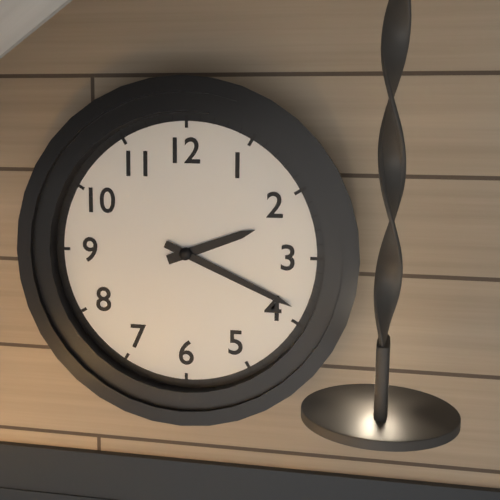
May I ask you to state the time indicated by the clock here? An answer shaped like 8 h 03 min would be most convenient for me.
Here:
2 h 19 min
